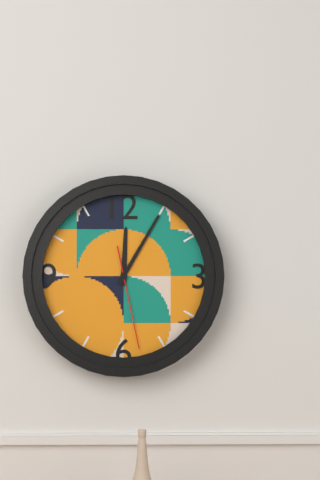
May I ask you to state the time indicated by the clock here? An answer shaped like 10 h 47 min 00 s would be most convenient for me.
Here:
12 h 05 min 28 s
